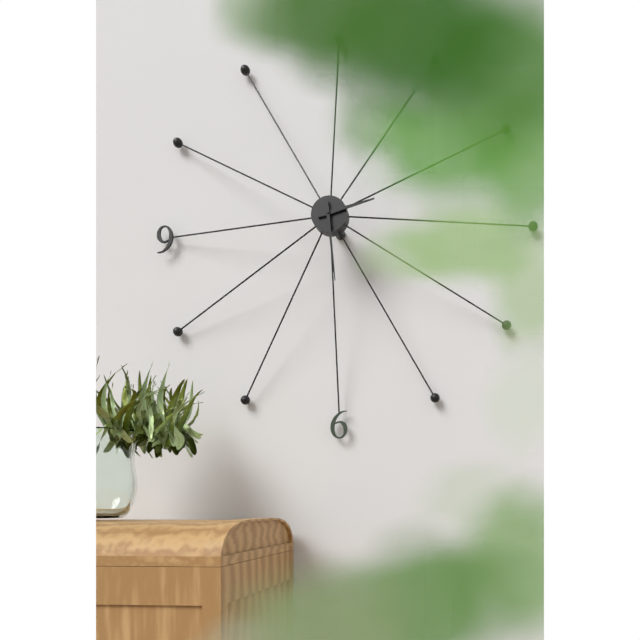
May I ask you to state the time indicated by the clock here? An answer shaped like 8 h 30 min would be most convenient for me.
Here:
2 h 29 min
